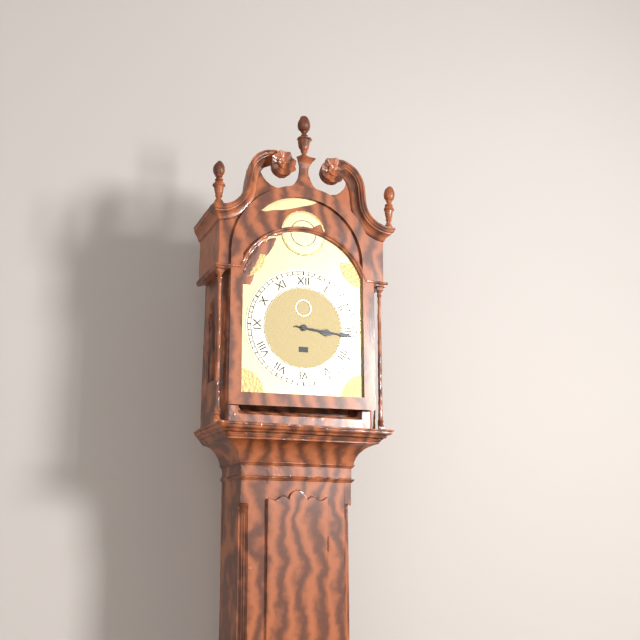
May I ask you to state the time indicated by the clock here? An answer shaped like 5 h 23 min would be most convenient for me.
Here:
3 h 16 min
